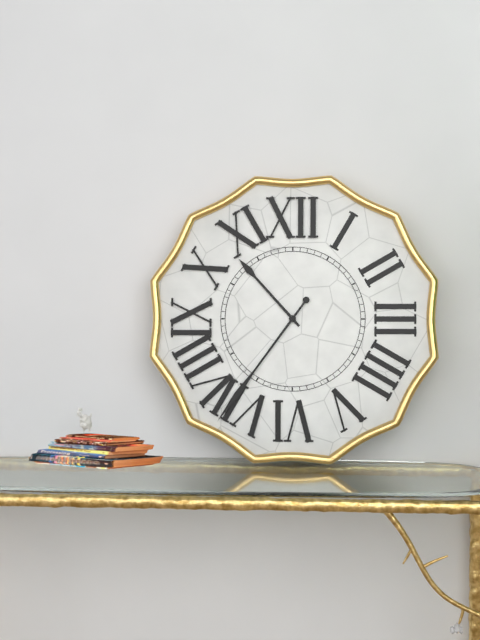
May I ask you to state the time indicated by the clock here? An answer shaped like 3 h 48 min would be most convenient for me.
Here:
10 h 36 min
